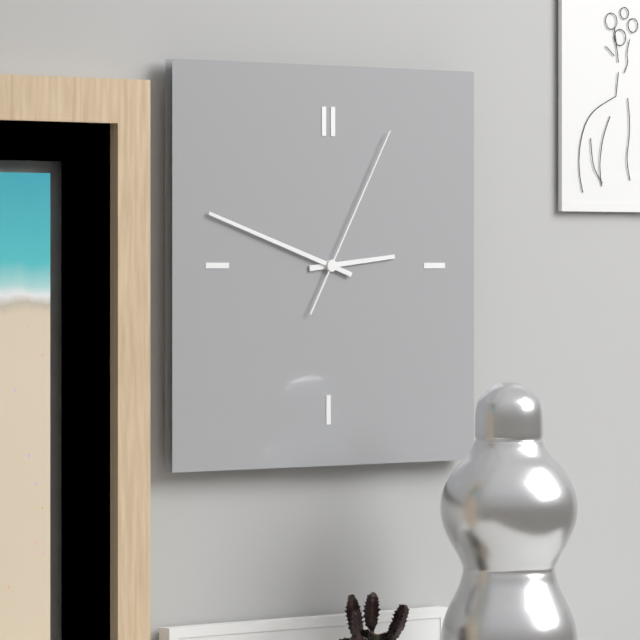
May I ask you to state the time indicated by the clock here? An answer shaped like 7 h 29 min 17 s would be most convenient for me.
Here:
2 h 48 min 05 s
